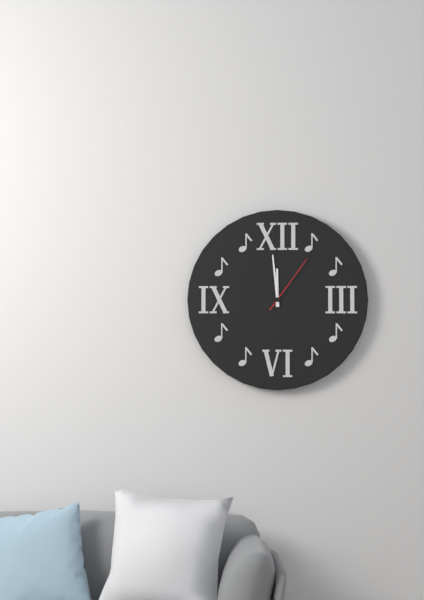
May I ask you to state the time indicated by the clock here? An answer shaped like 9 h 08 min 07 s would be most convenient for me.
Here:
11 h 59 min 06 s
